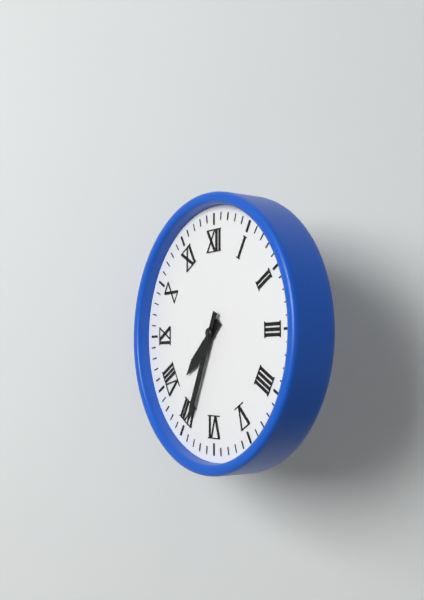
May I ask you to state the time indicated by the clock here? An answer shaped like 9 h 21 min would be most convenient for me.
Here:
7 h 34 min
